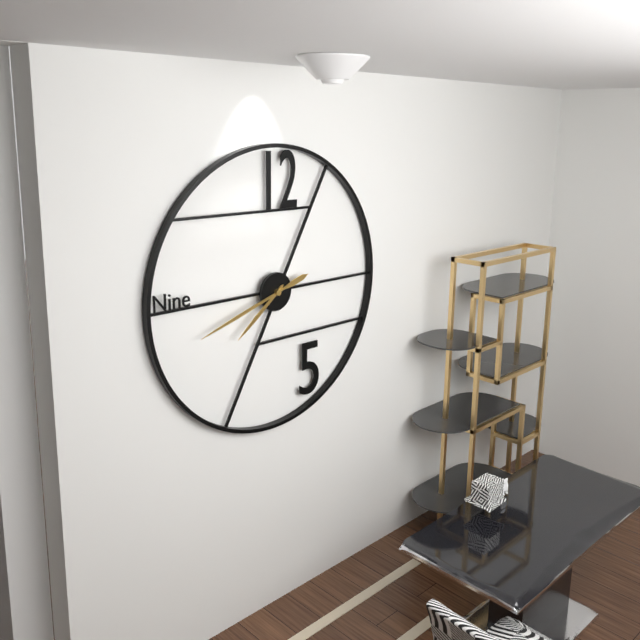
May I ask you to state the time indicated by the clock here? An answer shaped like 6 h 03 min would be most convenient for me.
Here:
7 h 42 min
